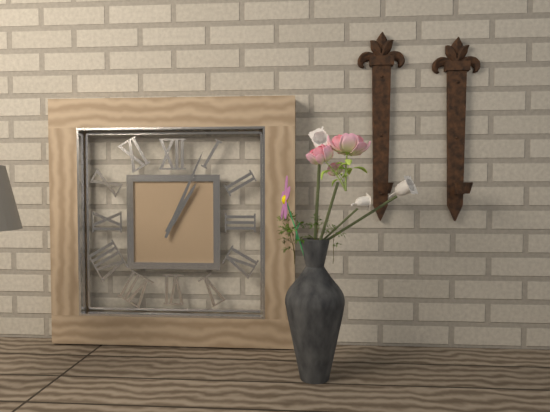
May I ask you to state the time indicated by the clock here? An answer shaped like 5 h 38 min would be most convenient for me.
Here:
1 h 04 min
